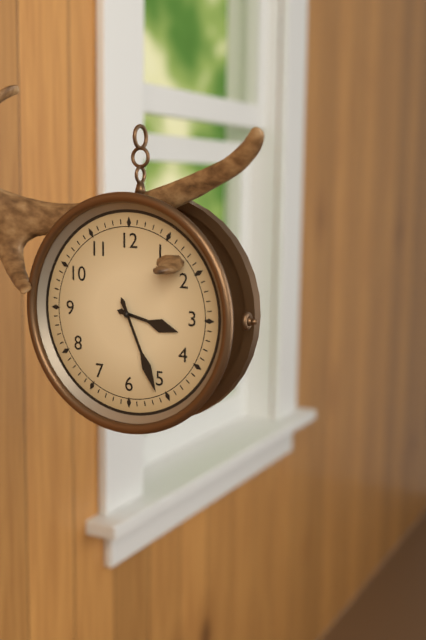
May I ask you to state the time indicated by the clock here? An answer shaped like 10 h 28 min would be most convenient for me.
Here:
3 h 26 min
